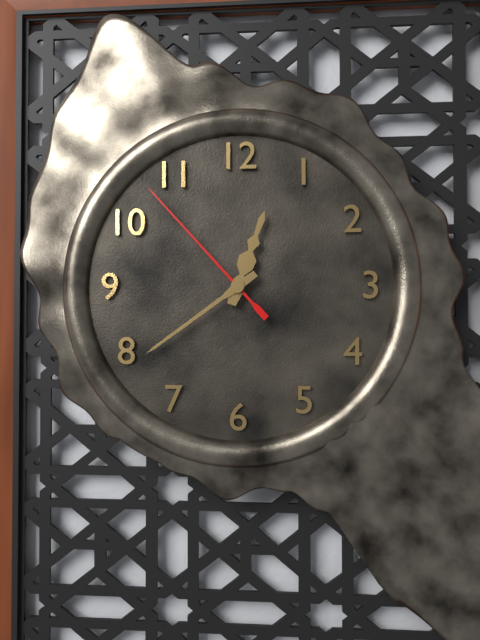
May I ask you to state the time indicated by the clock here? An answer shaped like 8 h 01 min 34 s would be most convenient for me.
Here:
12 h 39 min 53 s
